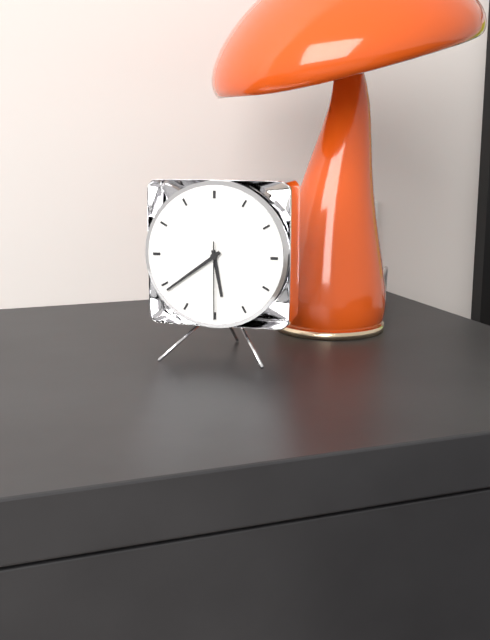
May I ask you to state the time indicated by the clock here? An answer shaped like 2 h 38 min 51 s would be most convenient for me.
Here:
5 h 39 min 30 s
